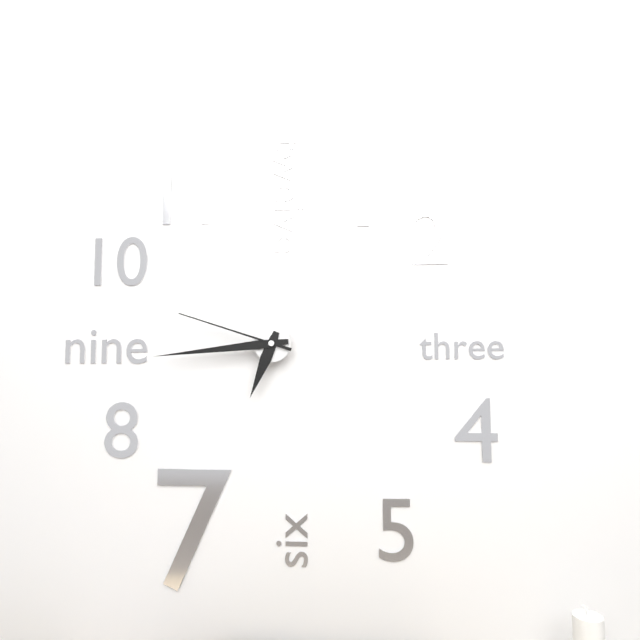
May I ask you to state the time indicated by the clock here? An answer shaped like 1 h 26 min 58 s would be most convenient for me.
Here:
6 h 44 min 48 s
